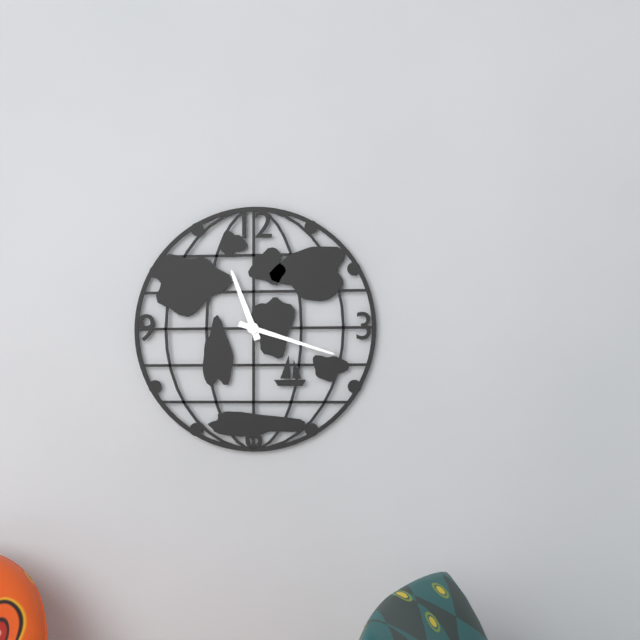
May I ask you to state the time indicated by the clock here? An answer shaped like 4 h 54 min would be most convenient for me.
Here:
11 h 18 min
